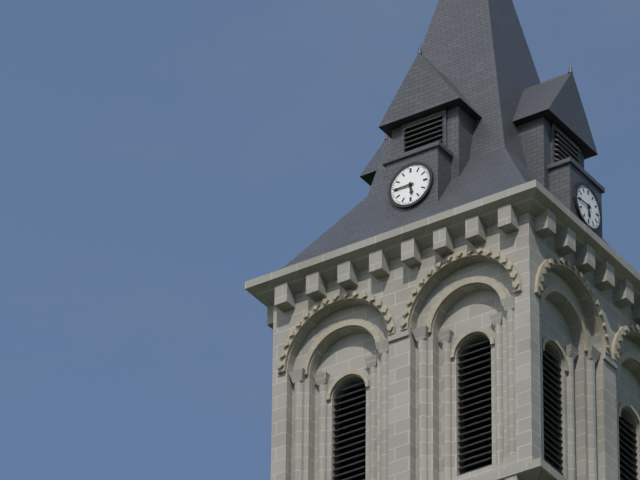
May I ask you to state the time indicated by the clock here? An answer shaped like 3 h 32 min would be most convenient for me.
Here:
5 h 45 min
